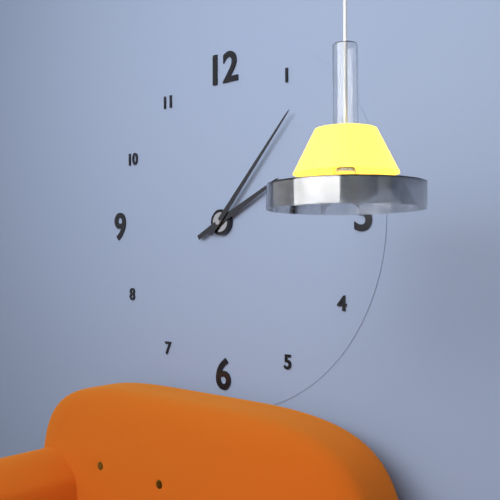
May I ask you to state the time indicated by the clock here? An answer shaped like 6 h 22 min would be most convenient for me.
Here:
2 h 07 min
